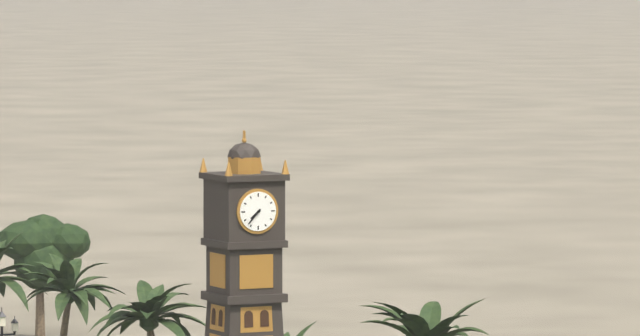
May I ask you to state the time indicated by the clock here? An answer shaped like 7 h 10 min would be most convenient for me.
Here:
7 h 37 min
